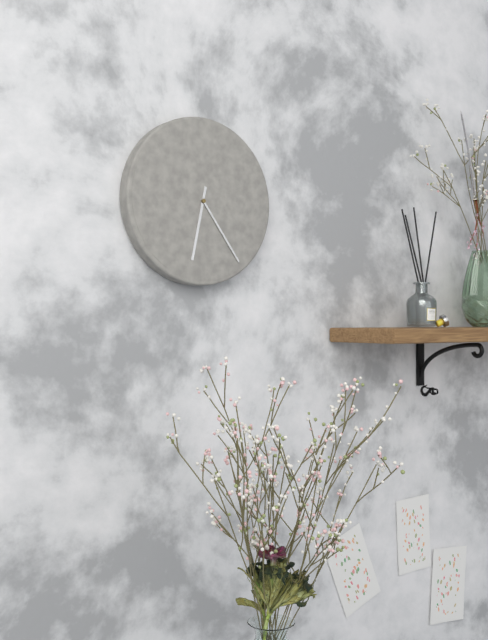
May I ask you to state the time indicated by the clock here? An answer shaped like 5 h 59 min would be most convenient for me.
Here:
6 h 24 min
